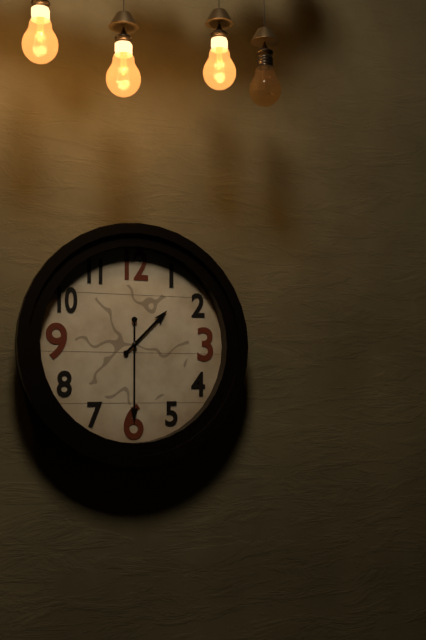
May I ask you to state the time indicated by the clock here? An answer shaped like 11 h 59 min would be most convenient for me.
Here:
1 h 30 min
